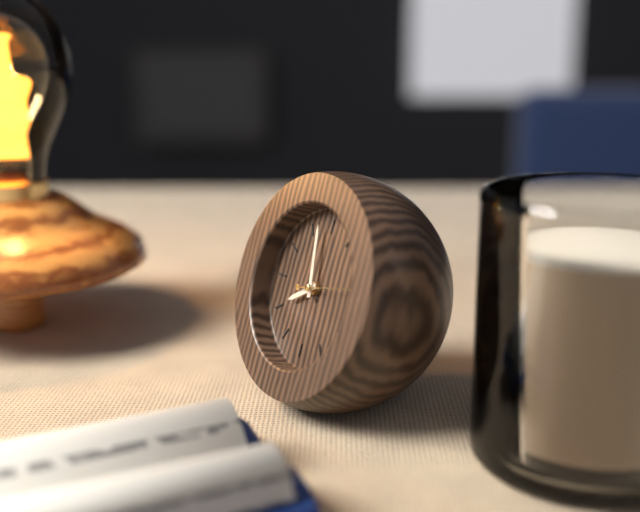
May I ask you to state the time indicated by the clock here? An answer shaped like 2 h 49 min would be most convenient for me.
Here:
7 h 58 min
